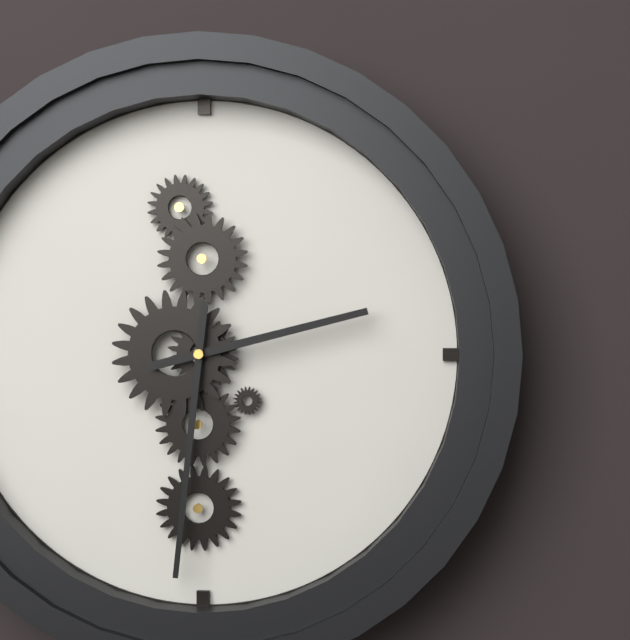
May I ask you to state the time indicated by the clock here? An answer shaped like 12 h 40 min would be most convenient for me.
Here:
2 h 31 min
